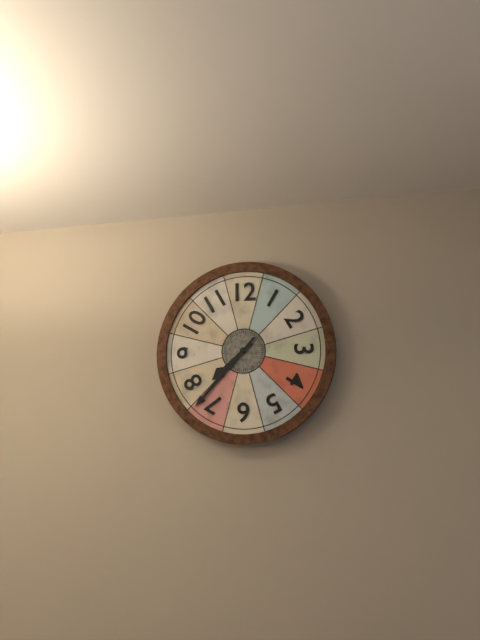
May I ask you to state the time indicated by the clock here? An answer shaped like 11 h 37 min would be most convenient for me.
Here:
7 h 37 min
